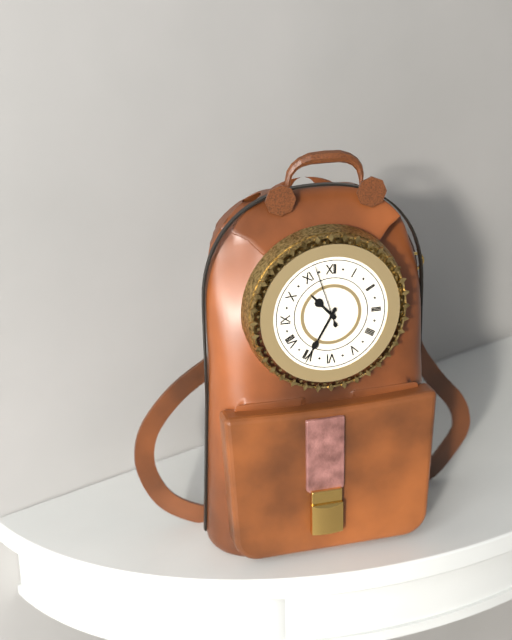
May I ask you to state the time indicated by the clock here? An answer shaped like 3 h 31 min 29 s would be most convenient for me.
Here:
10 h 35 min 57 s
